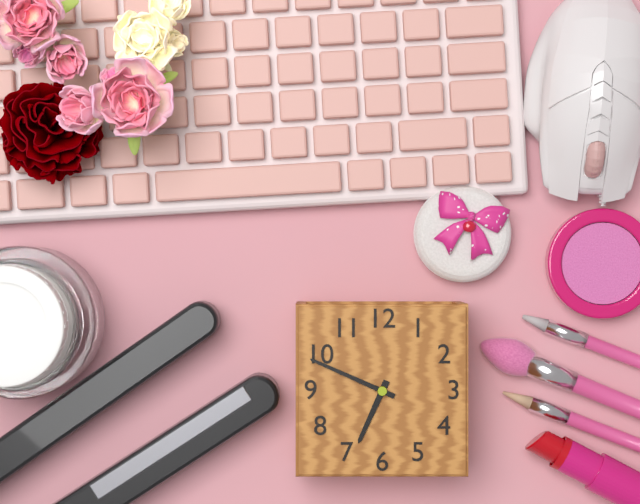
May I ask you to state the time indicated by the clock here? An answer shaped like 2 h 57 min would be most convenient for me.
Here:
6 h 49 min
